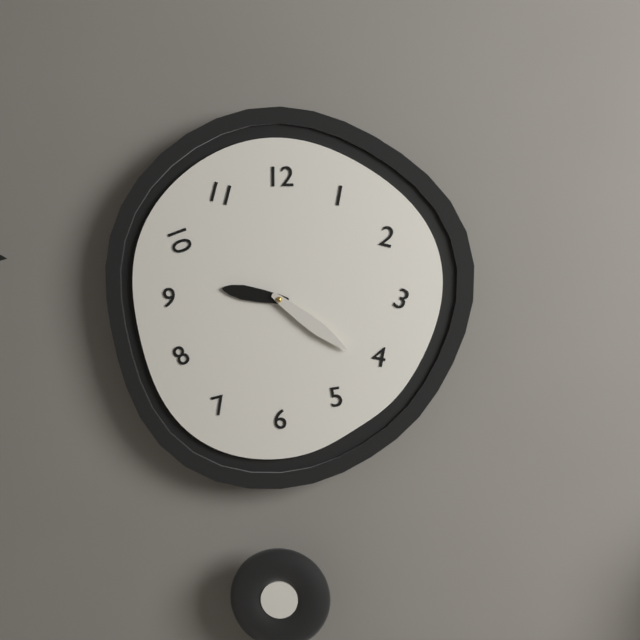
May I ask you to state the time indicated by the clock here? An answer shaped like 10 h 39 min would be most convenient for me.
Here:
9 h 21 min
